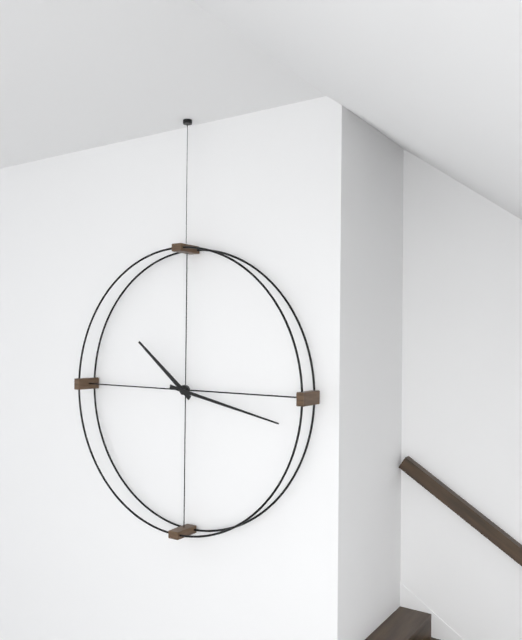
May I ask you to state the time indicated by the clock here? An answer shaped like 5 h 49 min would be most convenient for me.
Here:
10 h 17 min
